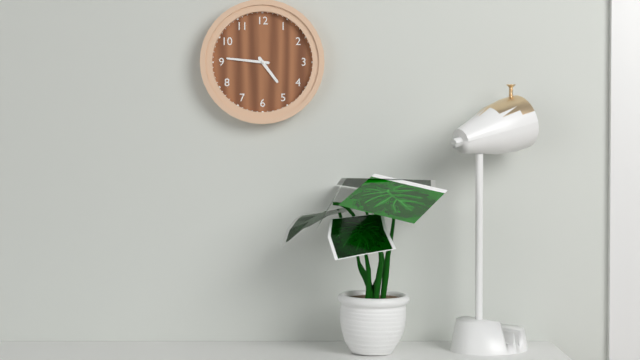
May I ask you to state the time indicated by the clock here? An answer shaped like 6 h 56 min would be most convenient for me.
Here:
4 h 46 min
